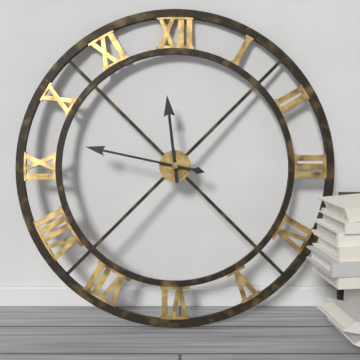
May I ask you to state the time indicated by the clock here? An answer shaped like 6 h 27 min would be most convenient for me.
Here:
11 h 47 min
